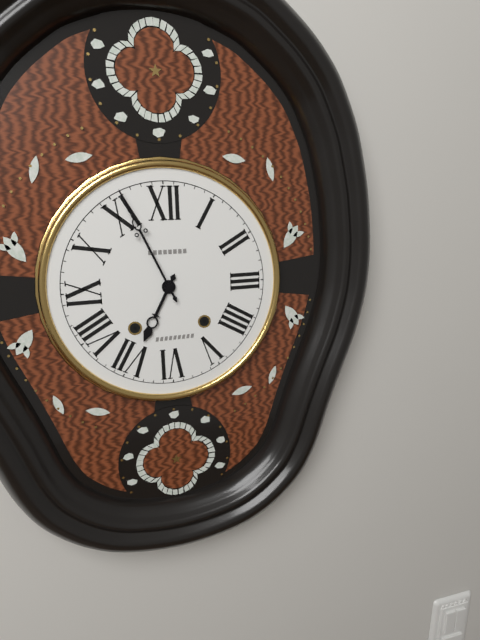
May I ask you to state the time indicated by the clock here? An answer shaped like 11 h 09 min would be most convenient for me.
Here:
6 h 56 min
